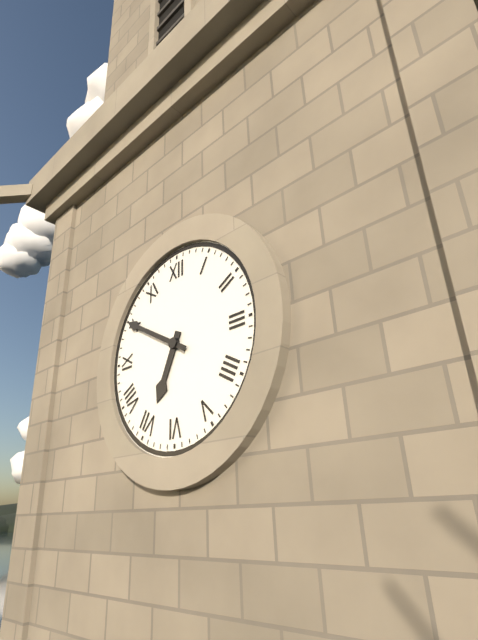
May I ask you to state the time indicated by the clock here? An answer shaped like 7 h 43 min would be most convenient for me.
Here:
6 h 50 min
